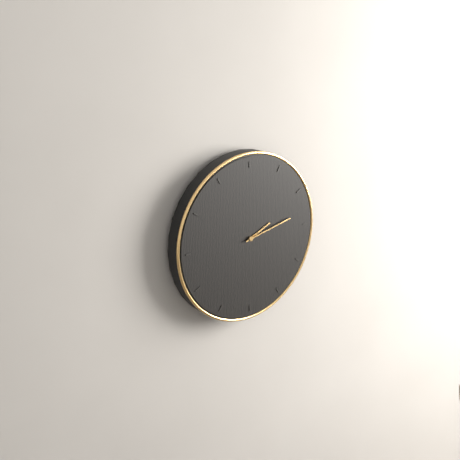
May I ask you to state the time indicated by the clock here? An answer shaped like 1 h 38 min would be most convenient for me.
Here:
2 h 13 min
